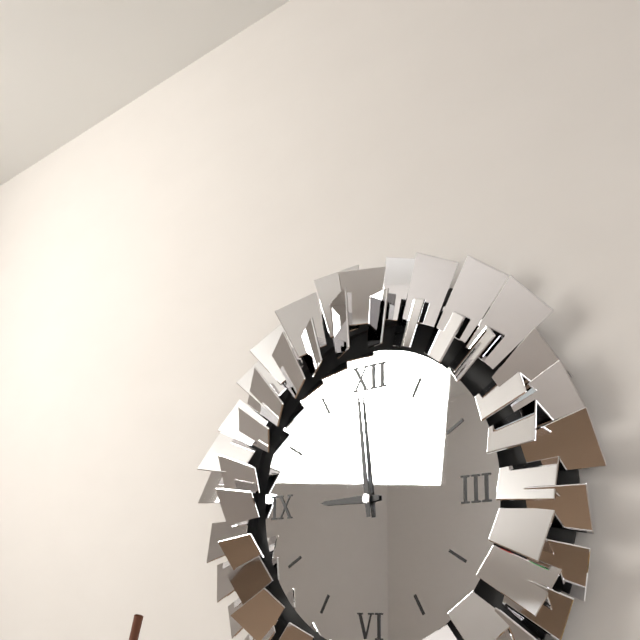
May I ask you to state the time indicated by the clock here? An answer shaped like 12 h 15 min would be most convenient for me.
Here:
8 h 59 min
